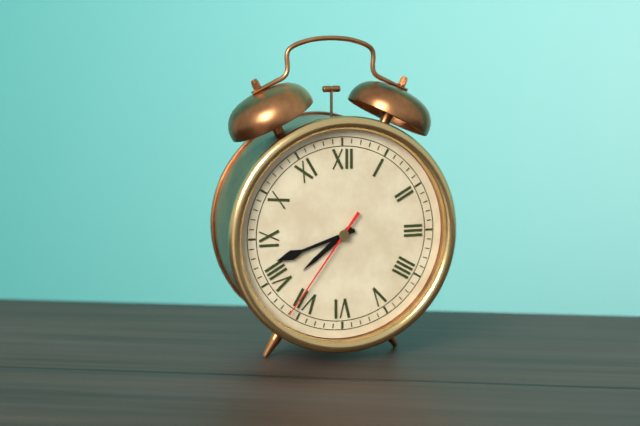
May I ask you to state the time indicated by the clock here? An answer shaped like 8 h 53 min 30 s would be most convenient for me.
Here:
7 h 42 min 36 s
